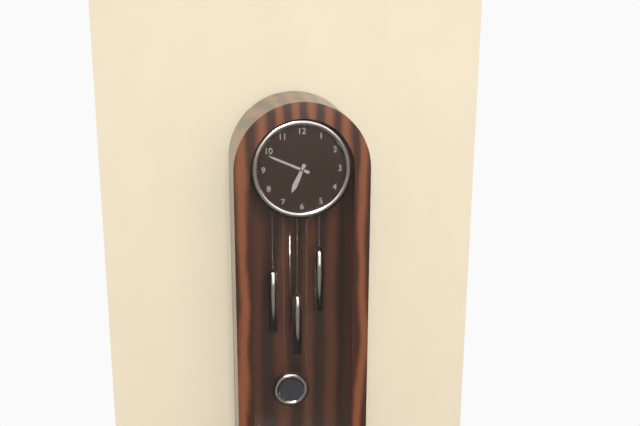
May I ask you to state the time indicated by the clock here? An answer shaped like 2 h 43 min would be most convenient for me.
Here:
6 h 49 min
